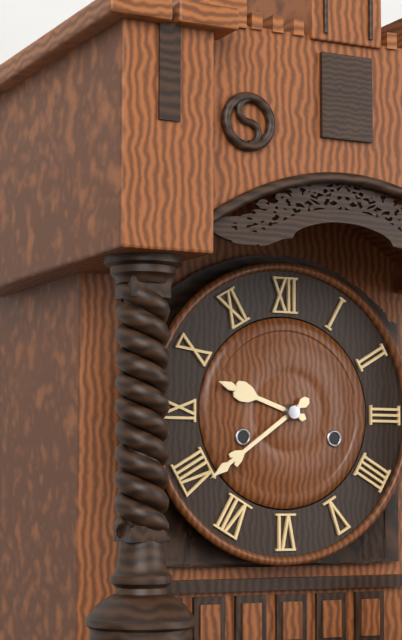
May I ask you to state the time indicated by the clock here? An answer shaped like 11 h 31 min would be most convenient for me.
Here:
9 h 39 min
